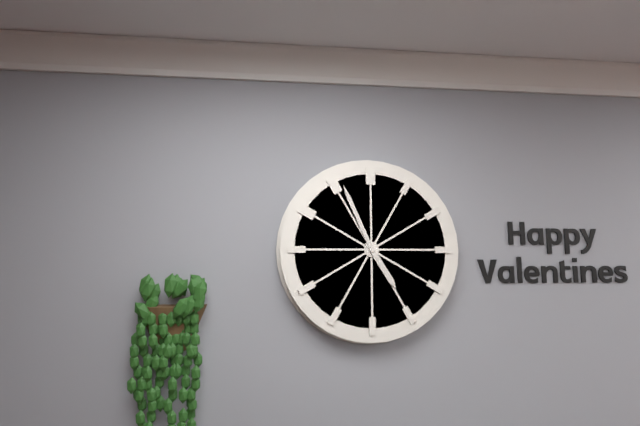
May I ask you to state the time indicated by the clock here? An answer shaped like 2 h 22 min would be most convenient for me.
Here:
4 h 56 min
